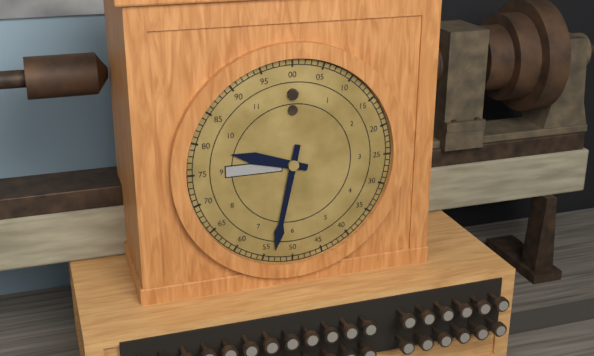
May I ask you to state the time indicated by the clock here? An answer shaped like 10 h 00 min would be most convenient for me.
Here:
9 h 32 min
